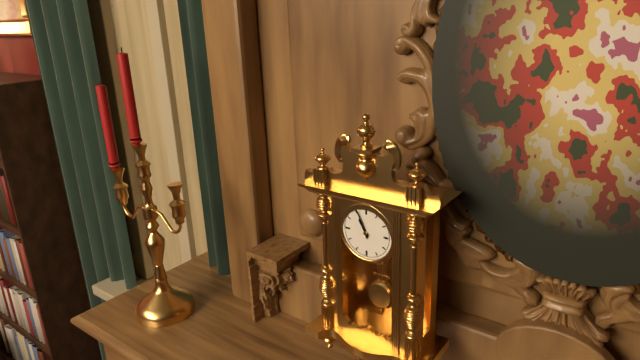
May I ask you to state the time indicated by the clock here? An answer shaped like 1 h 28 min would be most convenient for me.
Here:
10 h 56 min
